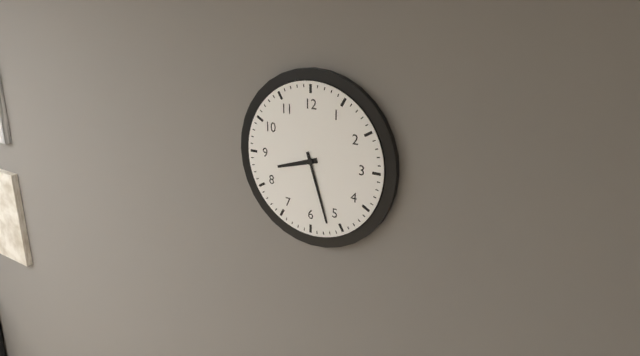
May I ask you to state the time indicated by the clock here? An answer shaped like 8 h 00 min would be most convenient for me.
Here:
8 h 27 min
